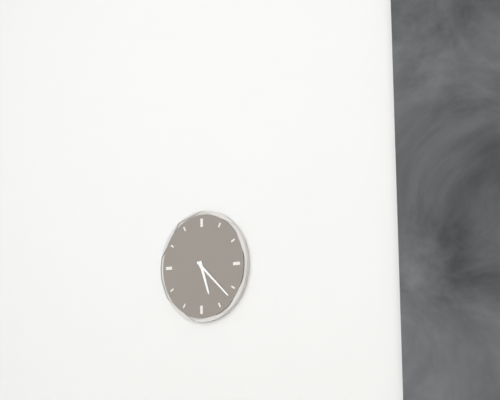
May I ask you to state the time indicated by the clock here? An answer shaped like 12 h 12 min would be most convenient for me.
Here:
5 h 22 min
